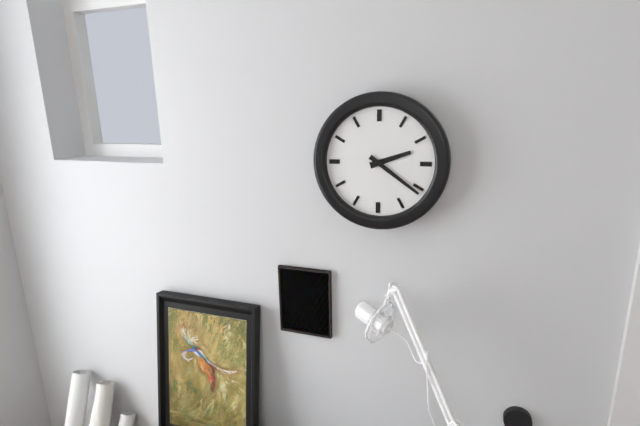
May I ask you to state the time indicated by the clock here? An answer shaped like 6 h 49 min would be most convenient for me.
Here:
2 h 21 min
